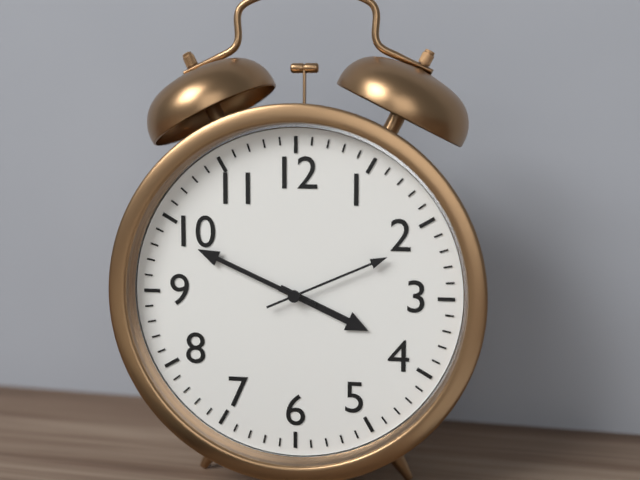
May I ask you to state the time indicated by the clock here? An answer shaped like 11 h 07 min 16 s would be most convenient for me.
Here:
3 h 49 min 11 s
